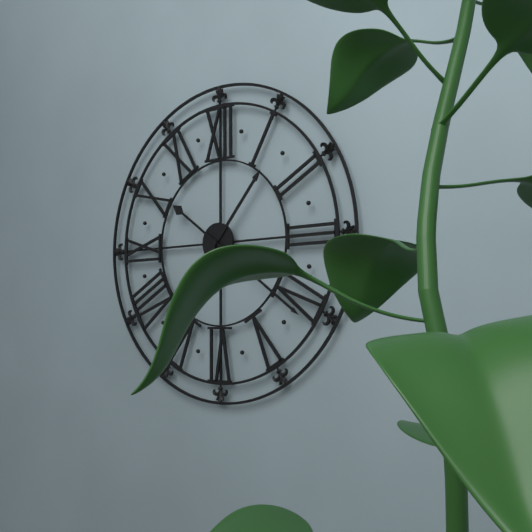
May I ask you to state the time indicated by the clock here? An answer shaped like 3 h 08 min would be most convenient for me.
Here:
1 h 21 min
